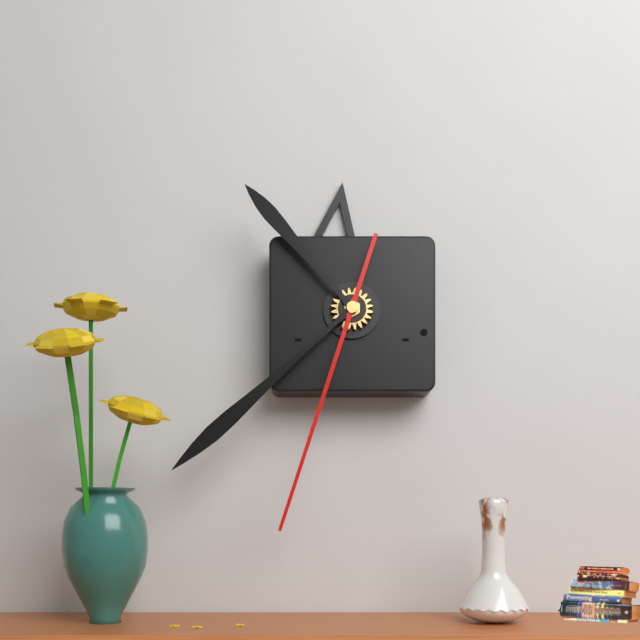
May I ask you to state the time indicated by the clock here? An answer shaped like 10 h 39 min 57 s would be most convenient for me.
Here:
10 h 38 min 33 s
